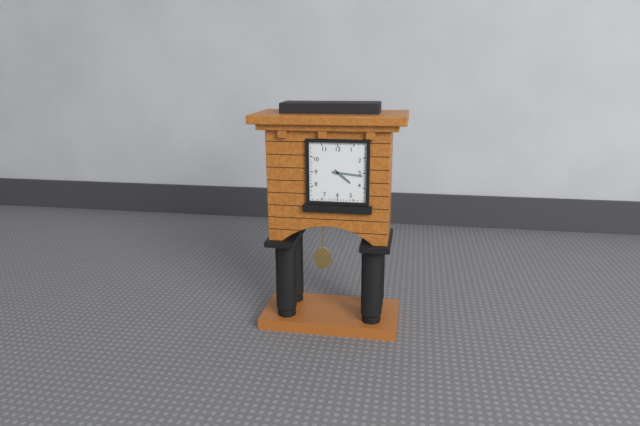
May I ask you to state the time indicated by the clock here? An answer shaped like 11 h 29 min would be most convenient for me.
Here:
4 h 16 min
